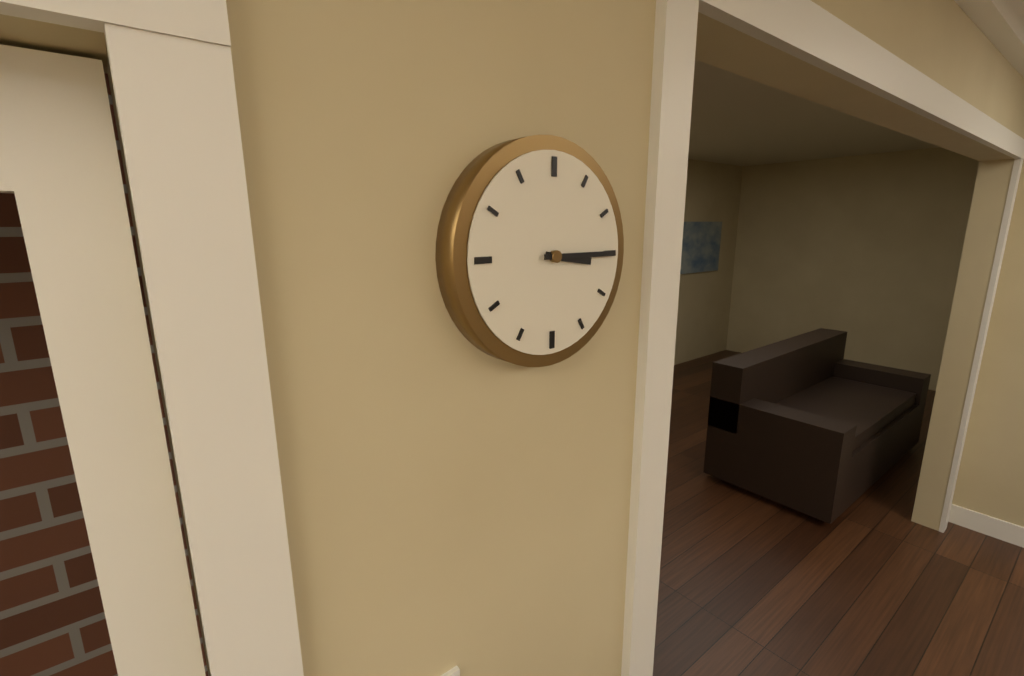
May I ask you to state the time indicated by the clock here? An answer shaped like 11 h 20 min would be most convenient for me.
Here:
3 h 15 min
